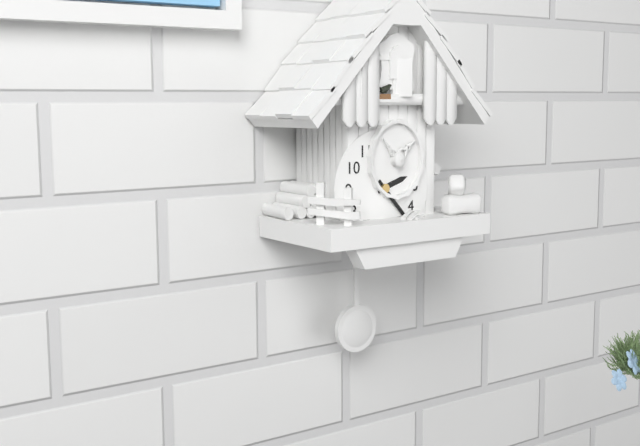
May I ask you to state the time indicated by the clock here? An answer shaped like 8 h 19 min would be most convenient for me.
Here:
2 h 23 min
